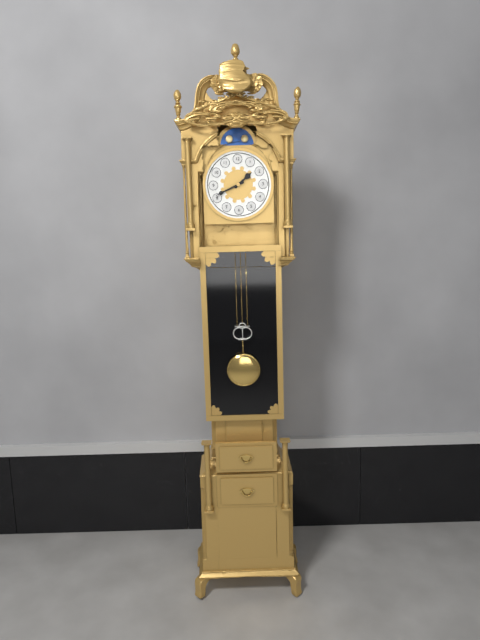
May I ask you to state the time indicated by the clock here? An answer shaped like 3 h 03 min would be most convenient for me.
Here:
1 h 41 min
